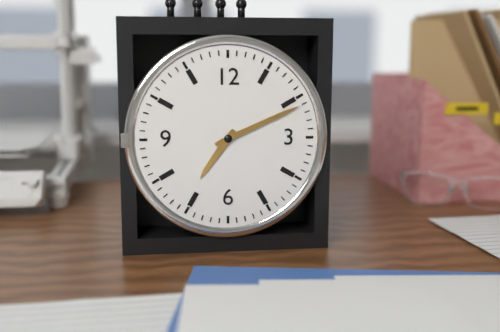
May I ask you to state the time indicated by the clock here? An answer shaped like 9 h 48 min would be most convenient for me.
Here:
7 h 11 min
